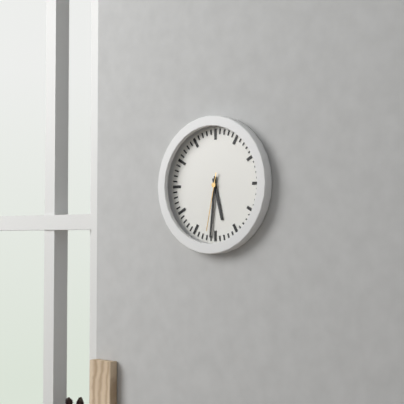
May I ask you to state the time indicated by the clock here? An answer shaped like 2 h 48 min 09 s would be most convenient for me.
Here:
5 h 31 min 32 s
